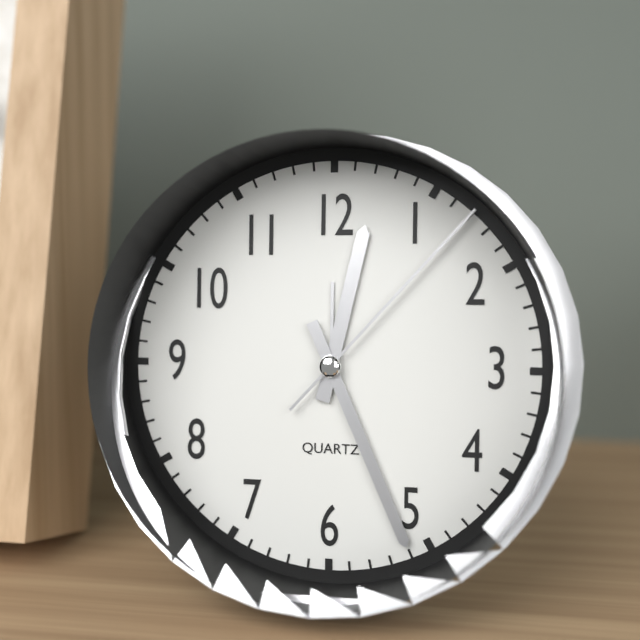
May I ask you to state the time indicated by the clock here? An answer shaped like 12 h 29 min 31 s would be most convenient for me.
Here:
12 h 26 min 07 s
